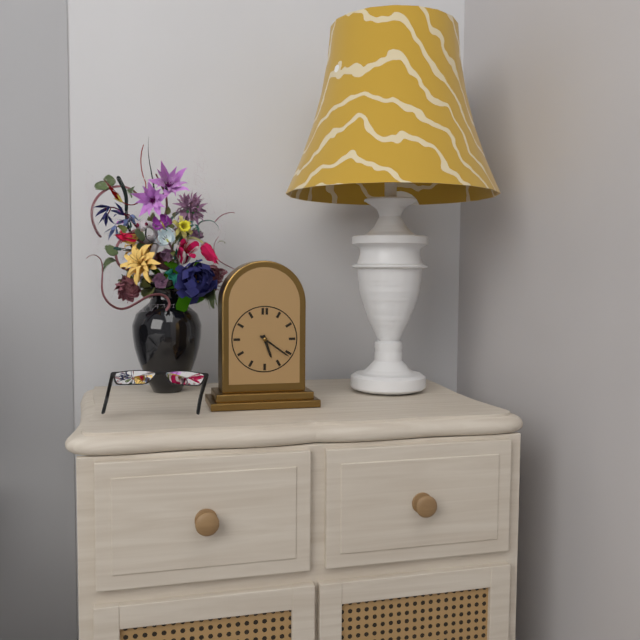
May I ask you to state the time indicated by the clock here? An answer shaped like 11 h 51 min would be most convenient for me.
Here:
5 h 21 min
